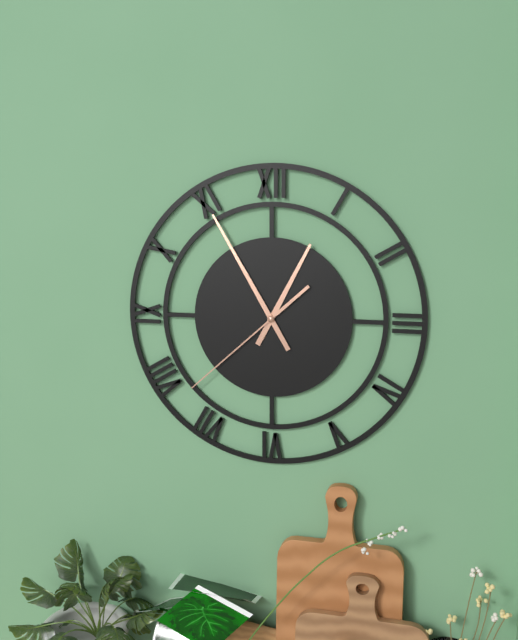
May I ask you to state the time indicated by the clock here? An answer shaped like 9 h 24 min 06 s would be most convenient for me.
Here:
12 h 55 min 38 s
